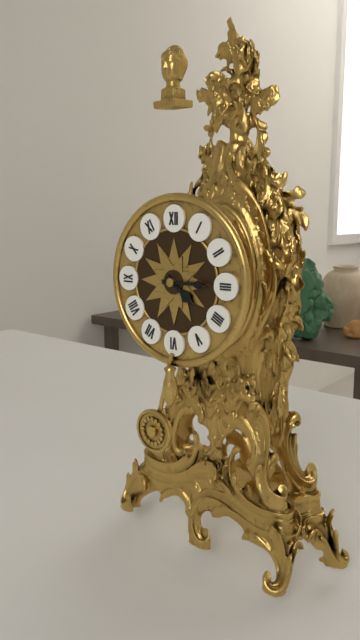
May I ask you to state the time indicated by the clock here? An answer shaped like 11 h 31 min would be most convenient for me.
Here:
4 h 15 min
